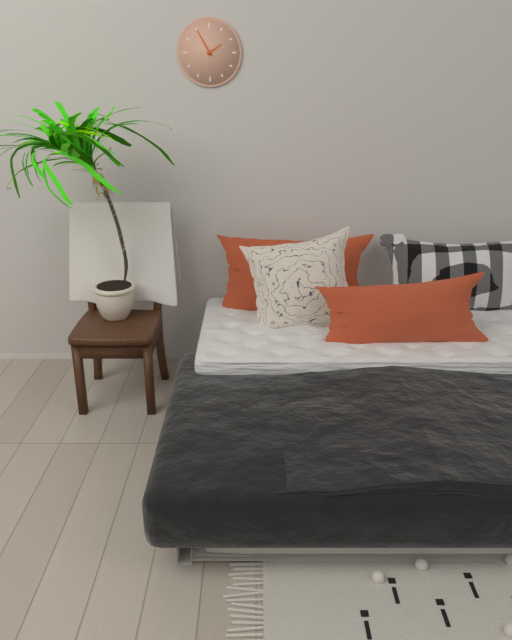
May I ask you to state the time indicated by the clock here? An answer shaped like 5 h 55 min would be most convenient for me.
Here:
1 h 55 min
